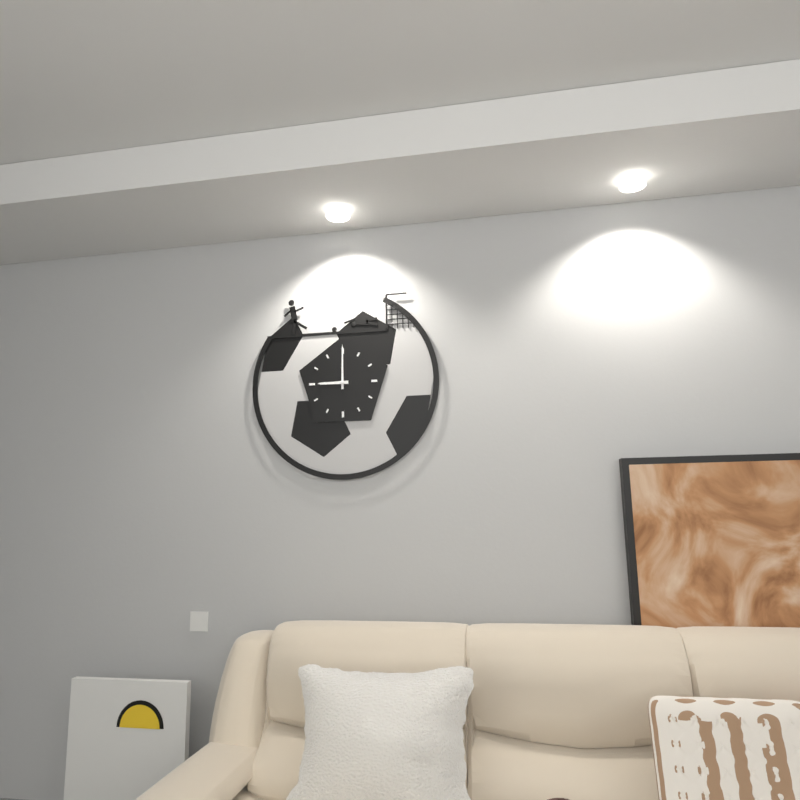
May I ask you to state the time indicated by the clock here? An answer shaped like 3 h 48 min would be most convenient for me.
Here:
9 h 00 min
